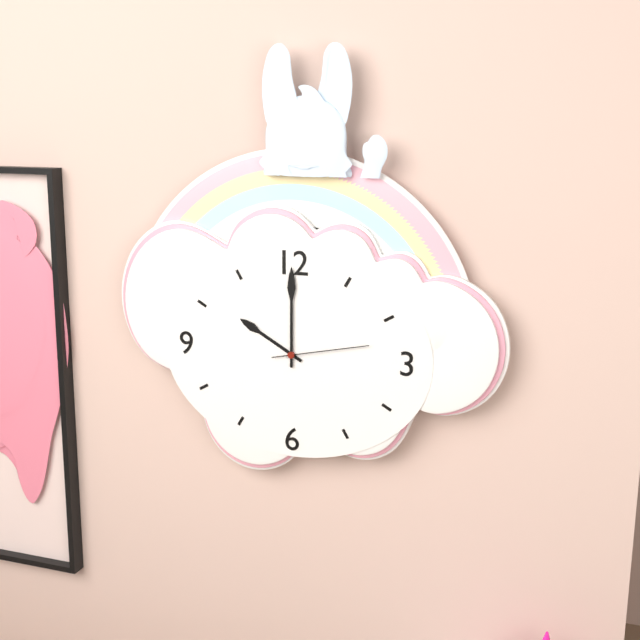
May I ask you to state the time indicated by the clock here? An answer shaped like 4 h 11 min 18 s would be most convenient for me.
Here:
10 h 00 min 13 s
